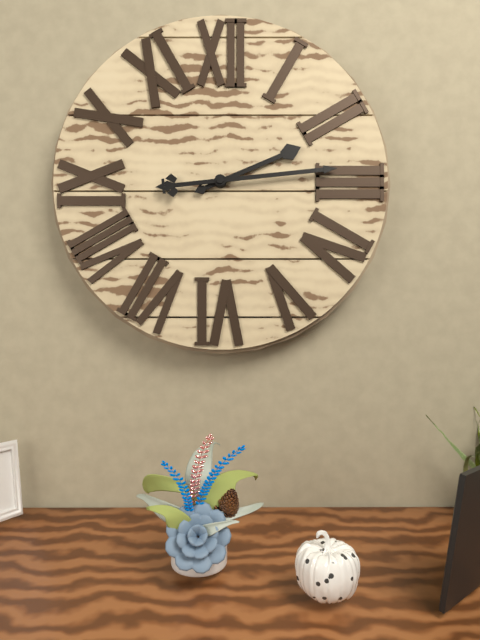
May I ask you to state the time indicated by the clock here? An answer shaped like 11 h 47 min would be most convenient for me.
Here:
2 h 14 min
